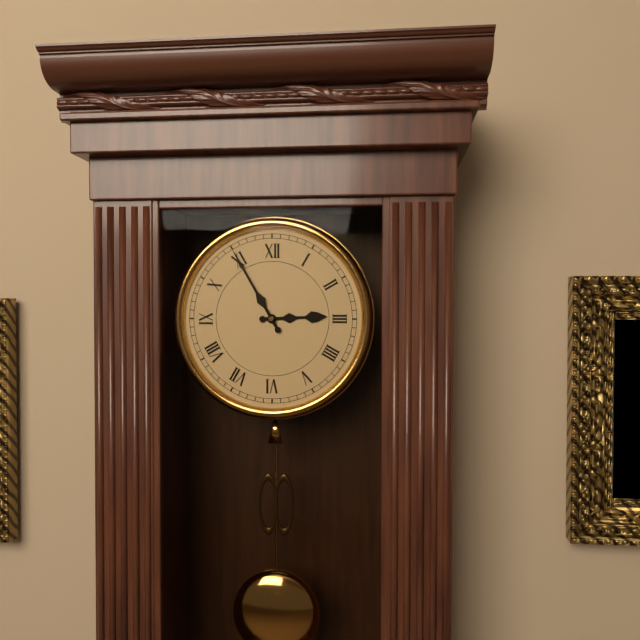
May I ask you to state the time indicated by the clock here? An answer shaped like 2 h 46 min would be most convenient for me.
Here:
2 h 55 min
